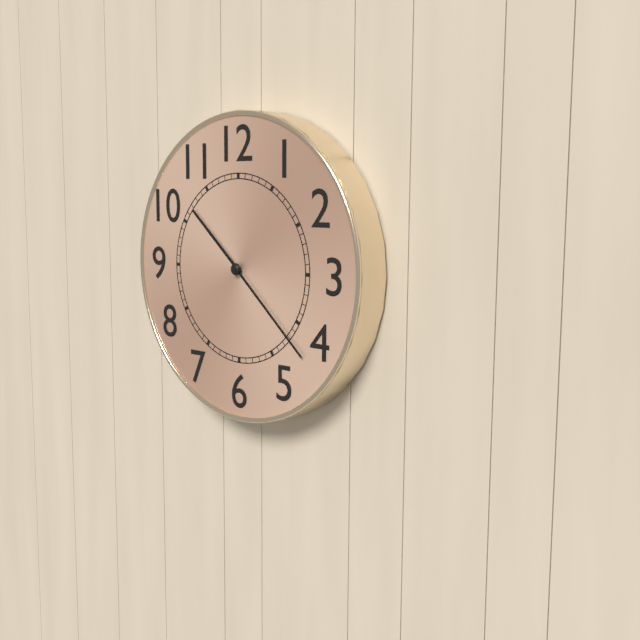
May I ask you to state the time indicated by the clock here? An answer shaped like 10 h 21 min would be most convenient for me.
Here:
10 h 22 min
